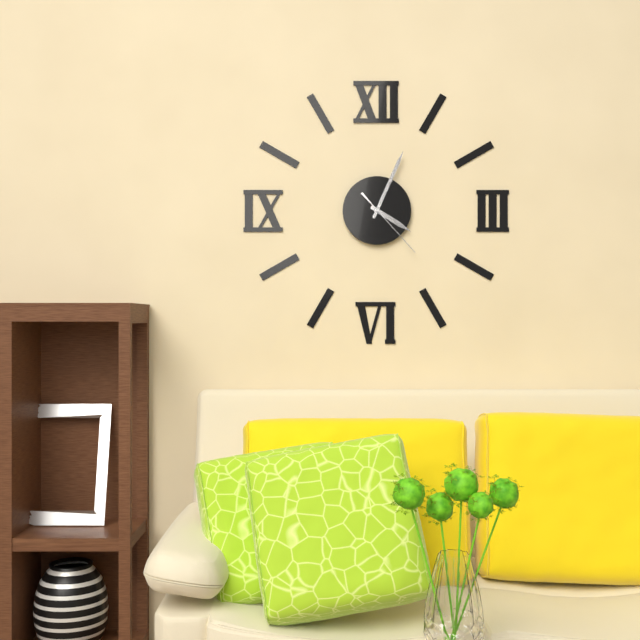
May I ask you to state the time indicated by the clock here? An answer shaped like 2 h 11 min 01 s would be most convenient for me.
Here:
4 h 04 min 23 s
